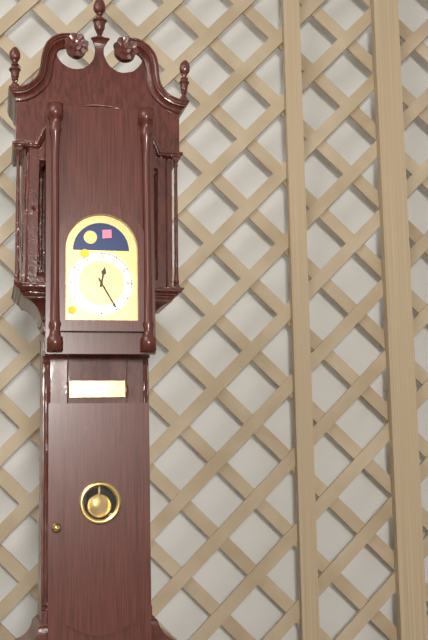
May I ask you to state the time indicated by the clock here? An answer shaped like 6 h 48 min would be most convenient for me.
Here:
12 h 25 min
